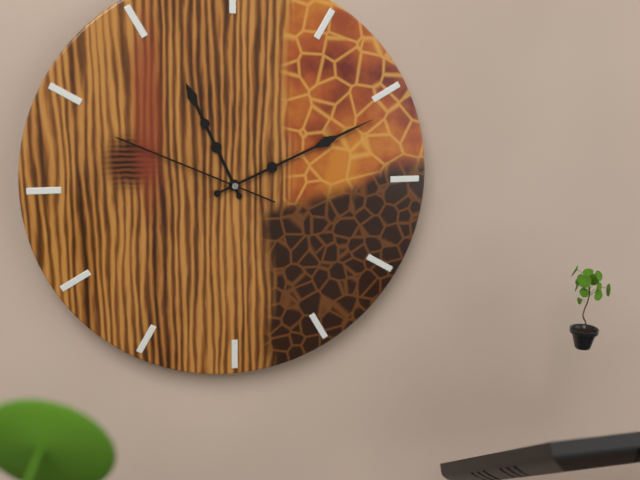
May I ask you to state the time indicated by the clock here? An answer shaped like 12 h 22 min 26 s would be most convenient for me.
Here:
11 h 11 min 49 s
